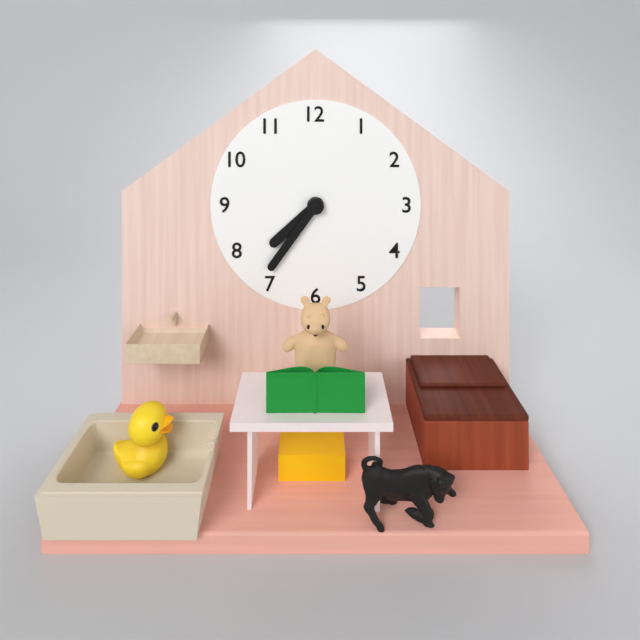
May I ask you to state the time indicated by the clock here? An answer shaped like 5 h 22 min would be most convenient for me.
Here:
7 h 36 min
